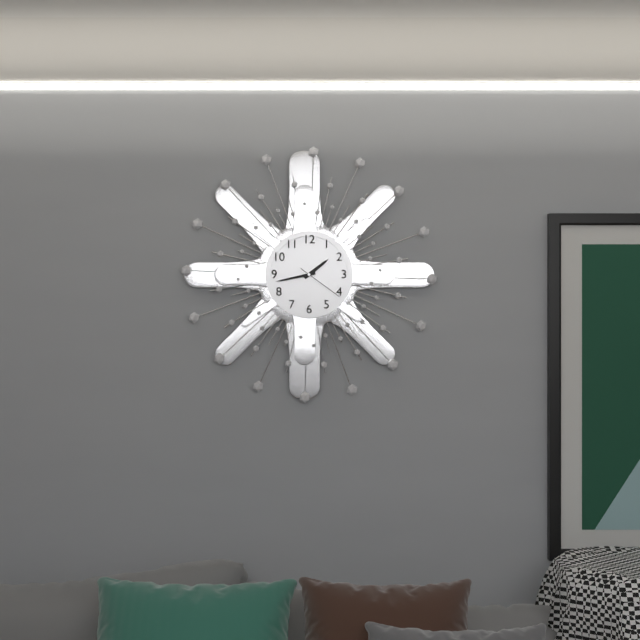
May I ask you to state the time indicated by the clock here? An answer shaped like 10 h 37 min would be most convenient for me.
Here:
1 h 43 min
